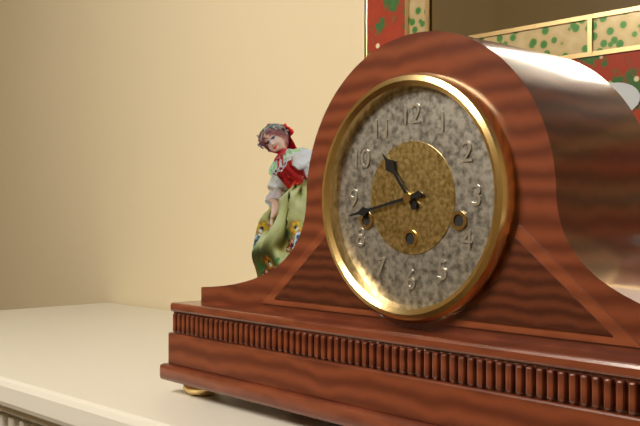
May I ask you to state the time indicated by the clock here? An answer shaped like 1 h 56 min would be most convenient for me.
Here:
10 h 43 min
